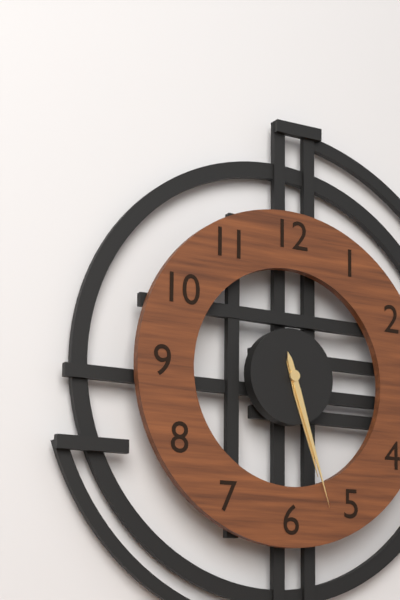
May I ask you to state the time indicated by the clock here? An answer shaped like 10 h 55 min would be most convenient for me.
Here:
5 h 27 min
